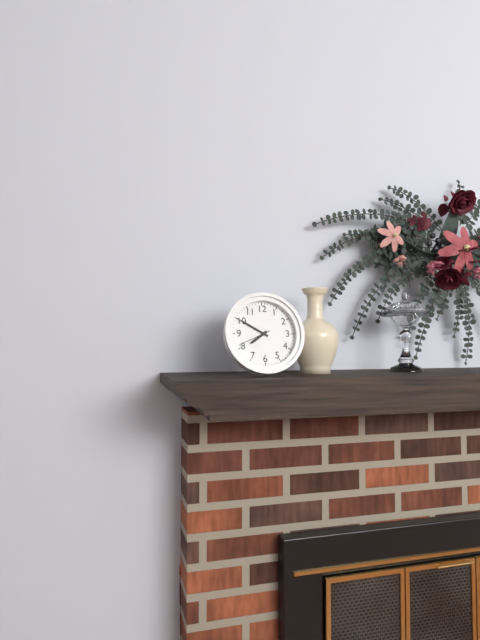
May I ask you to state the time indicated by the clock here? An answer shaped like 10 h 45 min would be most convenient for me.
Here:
7 h 50 min
